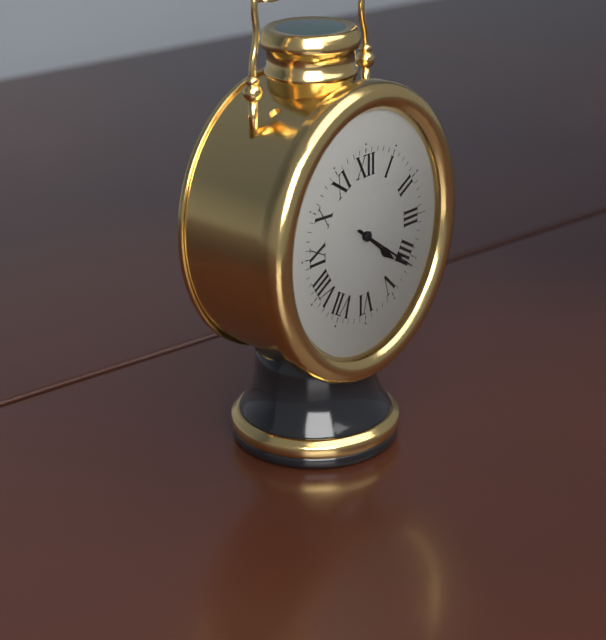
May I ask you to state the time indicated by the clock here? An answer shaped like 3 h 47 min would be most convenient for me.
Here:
4 h 21 min
